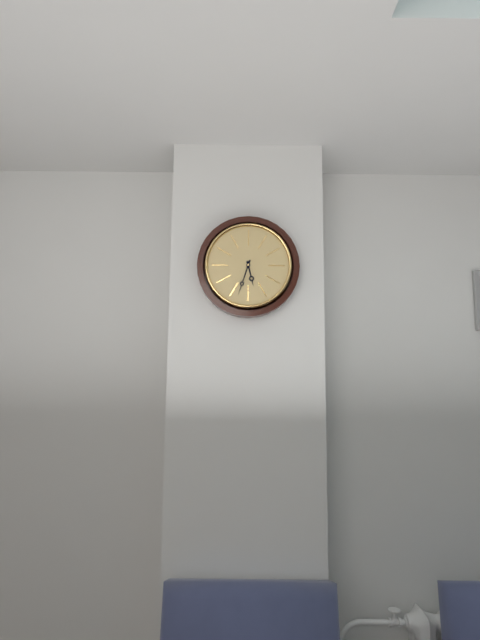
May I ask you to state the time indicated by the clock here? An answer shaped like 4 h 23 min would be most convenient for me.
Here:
5 h 33 min
